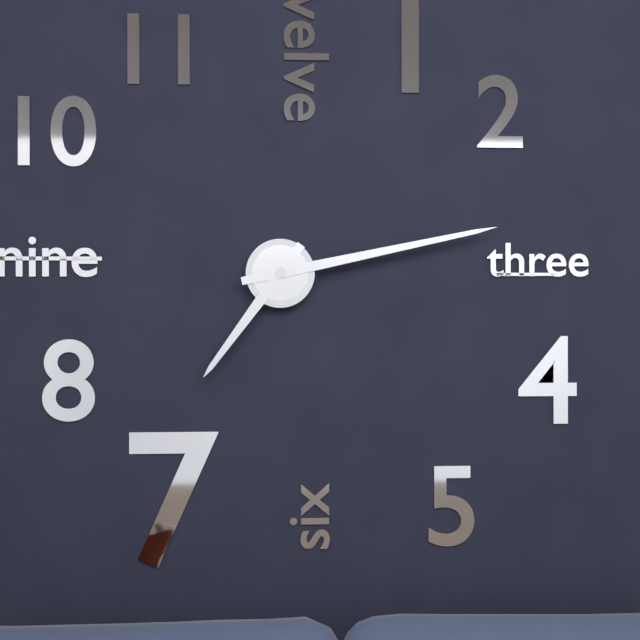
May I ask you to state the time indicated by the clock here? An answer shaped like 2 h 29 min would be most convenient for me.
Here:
7 h 13 min
